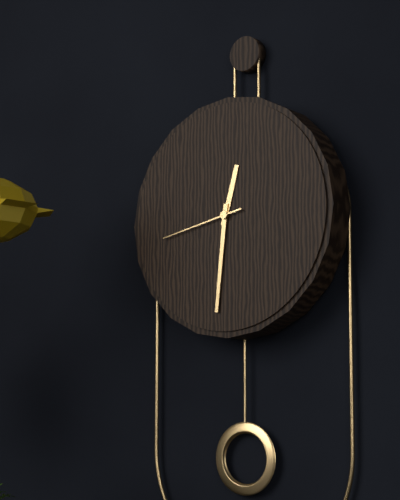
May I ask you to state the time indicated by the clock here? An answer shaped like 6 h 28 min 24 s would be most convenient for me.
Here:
12 h 31 min 43 s
